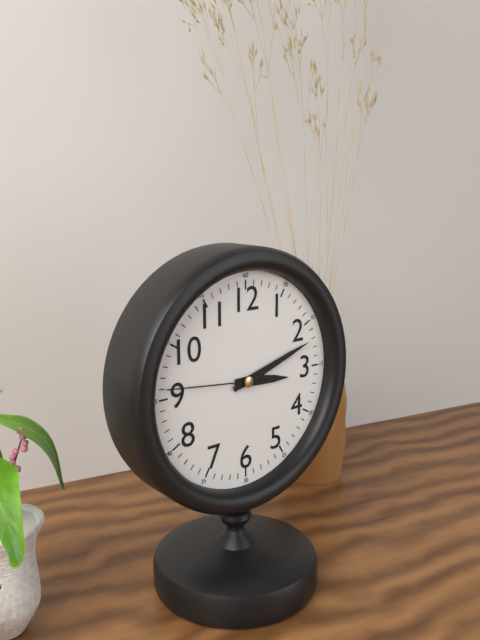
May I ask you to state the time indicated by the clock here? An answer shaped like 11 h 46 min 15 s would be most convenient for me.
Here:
3 h 12 min 46 s
